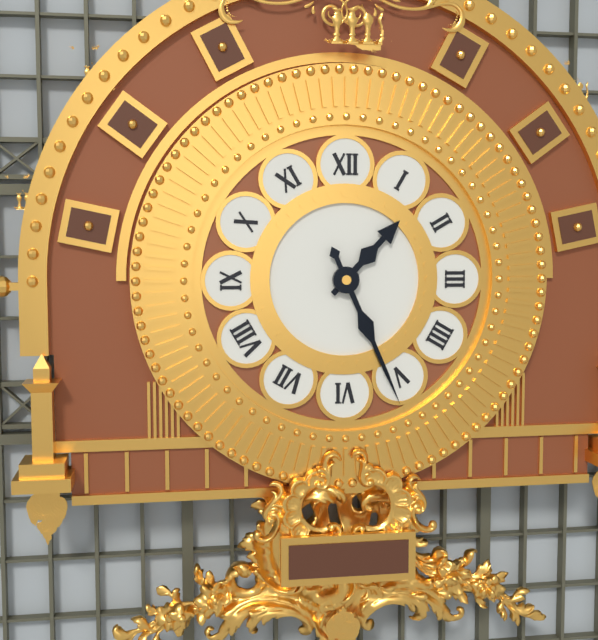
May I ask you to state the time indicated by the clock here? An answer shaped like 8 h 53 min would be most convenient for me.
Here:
1 h 26 min
